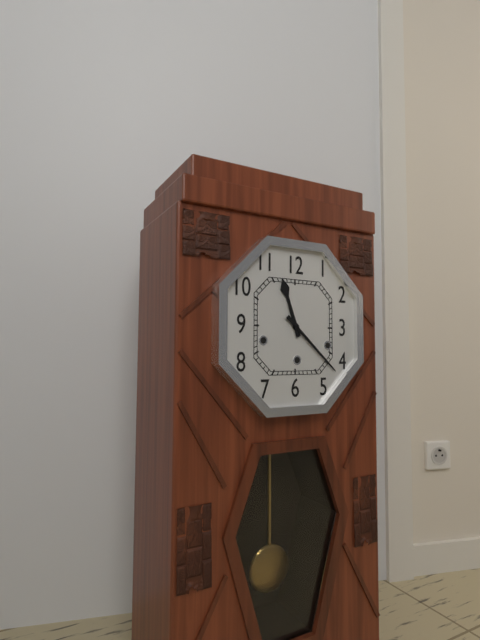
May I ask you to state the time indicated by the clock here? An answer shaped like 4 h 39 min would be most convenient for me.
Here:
11 h 22 min
